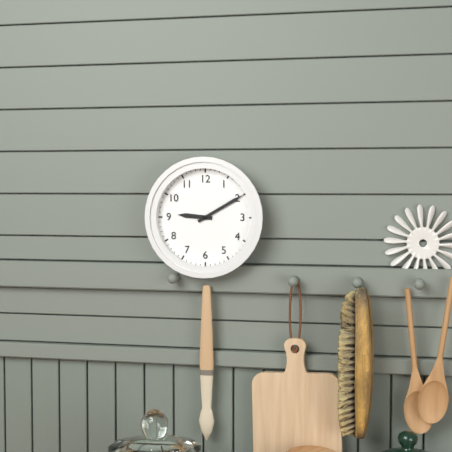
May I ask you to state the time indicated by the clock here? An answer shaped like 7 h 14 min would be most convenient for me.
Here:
9 h 10 min
